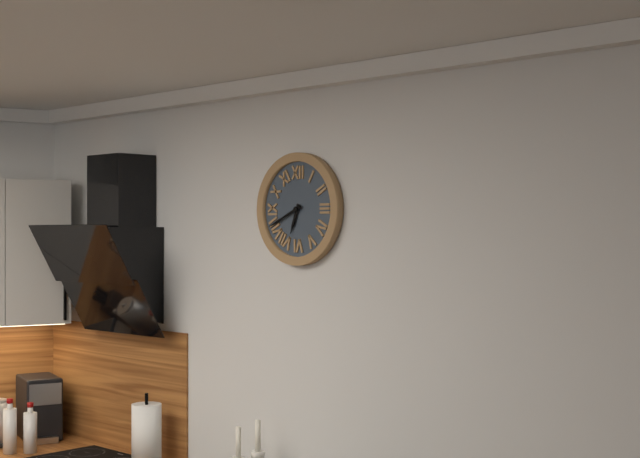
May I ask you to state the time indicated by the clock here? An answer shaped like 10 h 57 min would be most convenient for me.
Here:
6 h 41 min
